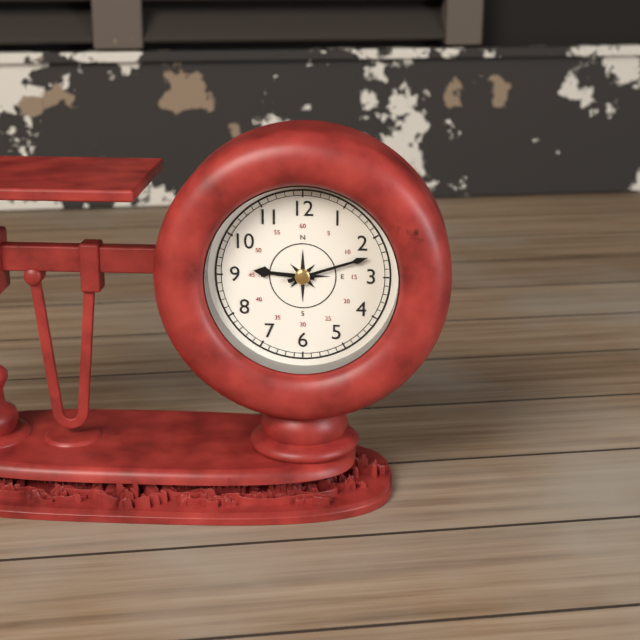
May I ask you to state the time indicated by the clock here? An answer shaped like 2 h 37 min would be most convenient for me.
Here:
9 h 12 min
